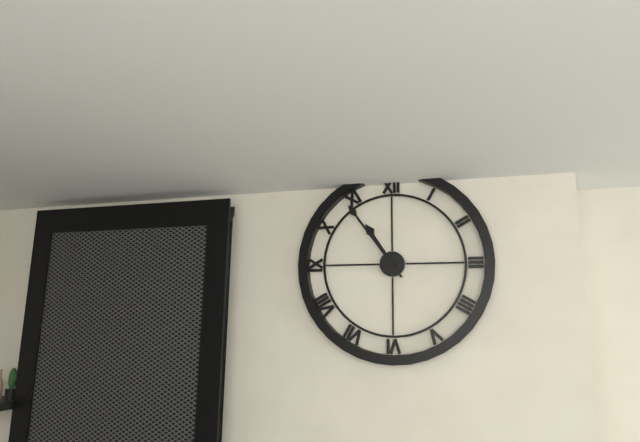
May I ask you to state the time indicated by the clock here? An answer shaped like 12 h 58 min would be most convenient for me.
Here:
10 h 54 min
